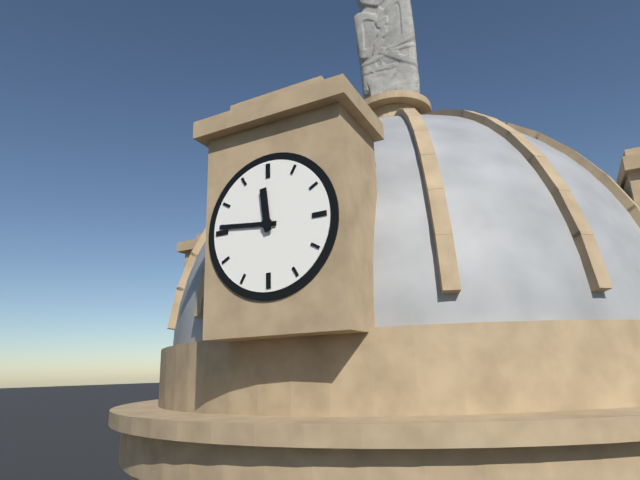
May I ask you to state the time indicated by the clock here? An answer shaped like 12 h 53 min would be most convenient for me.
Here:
11 h 46 min
